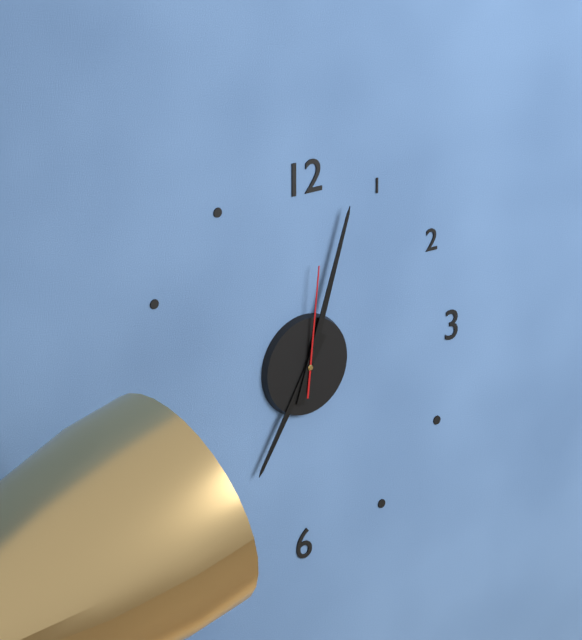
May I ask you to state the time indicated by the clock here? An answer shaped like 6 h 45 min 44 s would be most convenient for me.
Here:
7 h 03 min 01 s
